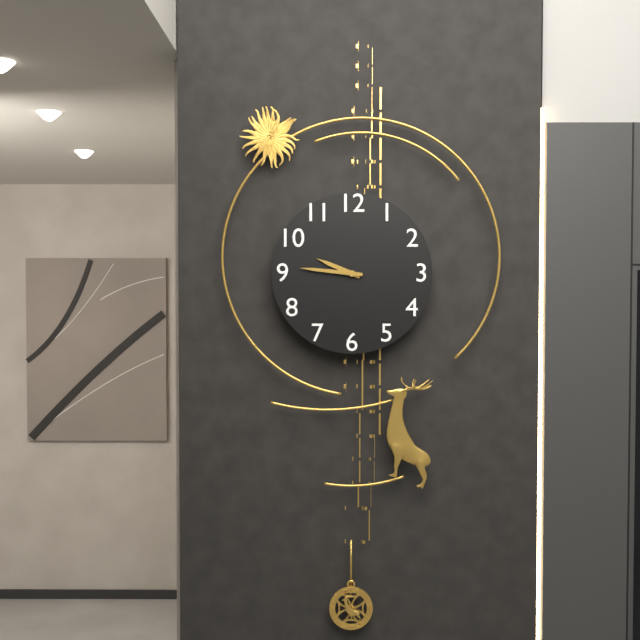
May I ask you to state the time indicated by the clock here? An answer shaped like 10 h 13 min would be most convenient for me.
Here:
9 h 46 min
